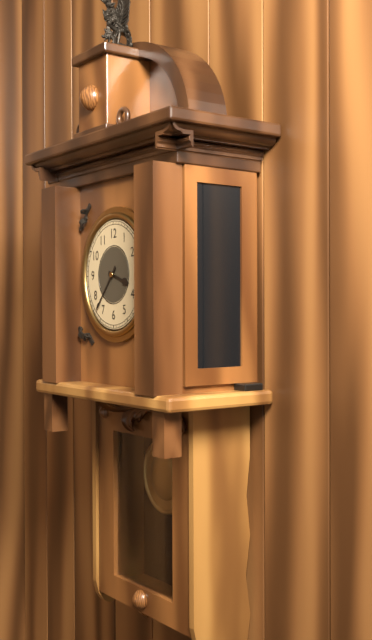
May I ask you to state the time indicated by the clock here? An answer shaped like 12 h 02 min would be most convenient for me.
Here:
3 h 37 min
